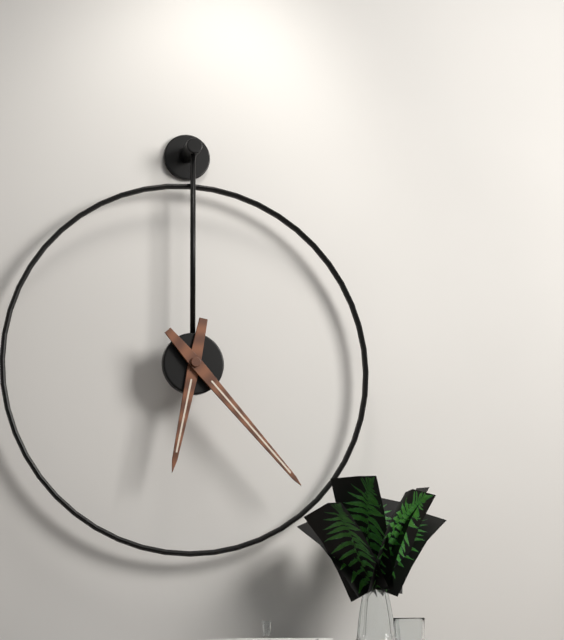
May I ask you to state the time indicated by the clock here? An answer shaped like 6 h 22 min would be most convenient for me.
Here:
6 h 23 min
